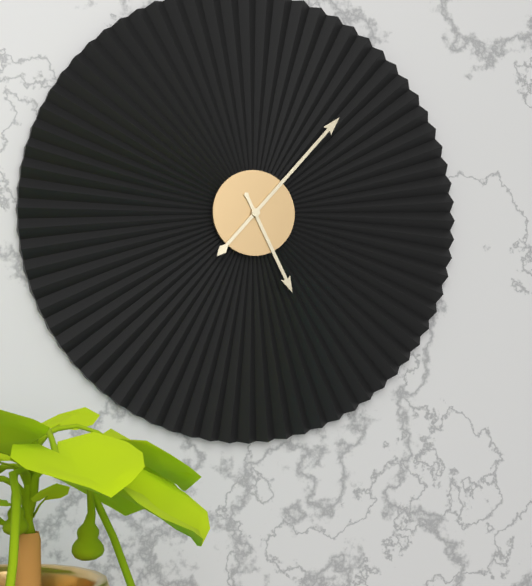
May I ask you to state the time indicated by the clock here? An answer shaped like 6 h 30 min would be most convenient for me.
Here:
5 h 07 min
